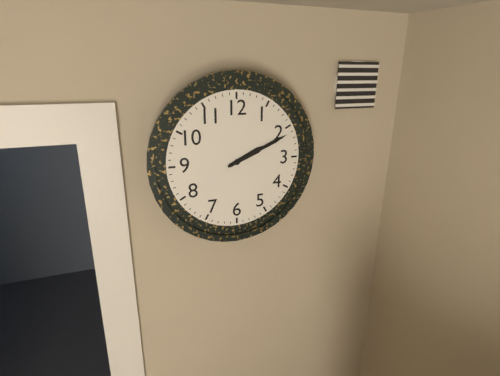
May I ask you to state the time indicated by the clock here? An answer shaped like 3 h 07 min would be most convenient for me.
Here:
2 h 11 min
